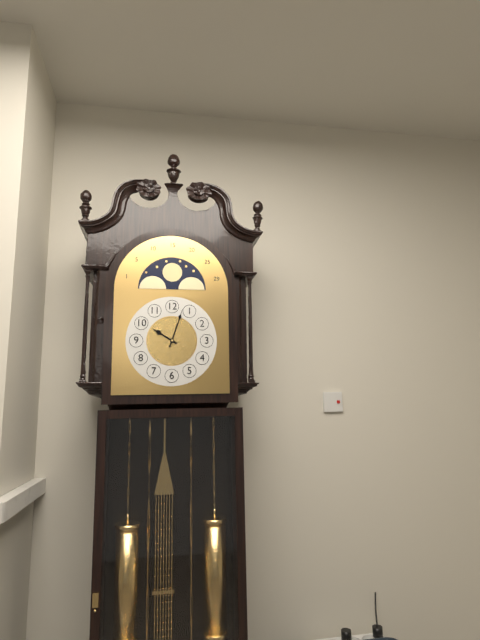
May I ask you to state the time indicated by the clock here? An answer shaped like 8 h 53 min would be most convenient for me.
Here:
10 h 03 min
